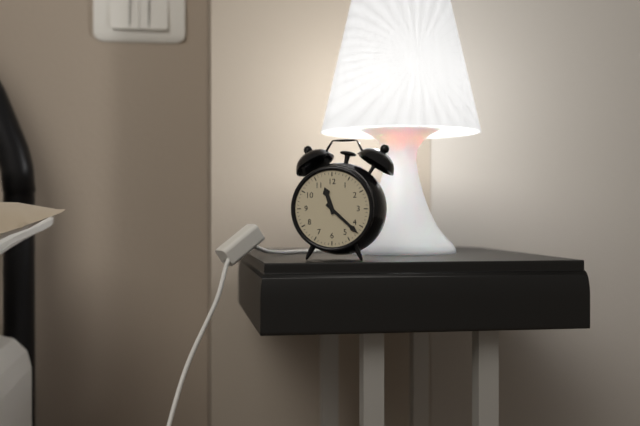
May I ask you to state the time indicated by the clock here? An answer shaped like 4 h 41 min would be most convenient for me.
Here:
11 h 22 min
